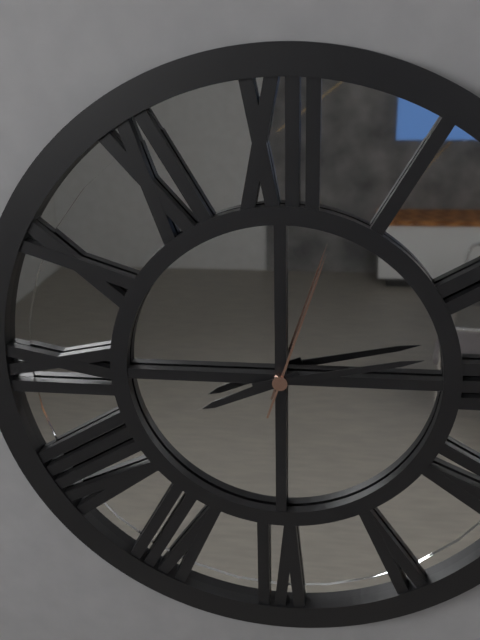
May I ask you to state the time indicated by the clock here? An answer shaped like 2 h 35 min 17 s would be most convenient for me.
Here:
8 h 13 min 03 s
